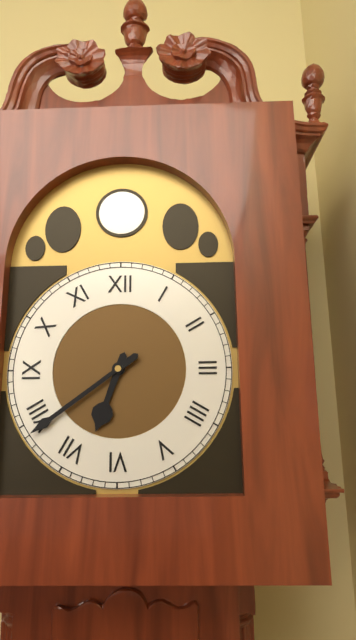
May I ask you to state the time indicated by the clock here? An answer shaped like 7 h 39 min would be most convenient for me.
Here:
6 h 39 min
